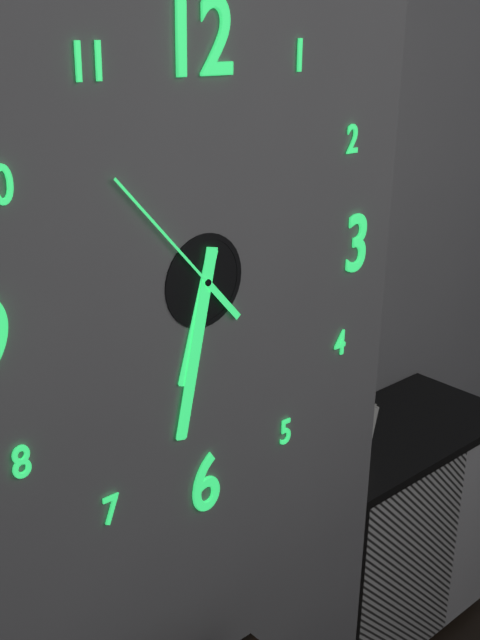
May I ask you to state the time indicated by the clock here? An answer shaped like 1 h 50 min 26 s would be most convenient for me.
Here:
6 h 32 min 53 s
